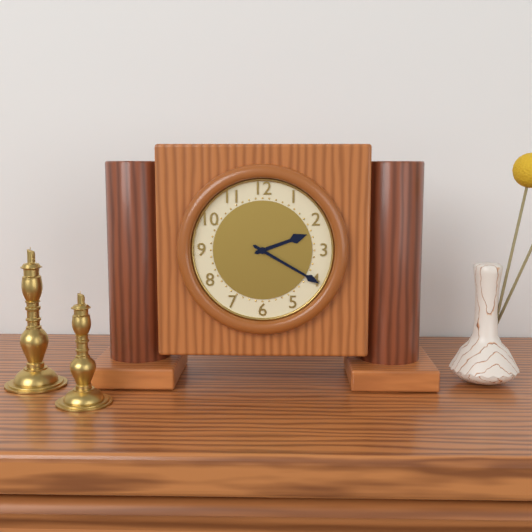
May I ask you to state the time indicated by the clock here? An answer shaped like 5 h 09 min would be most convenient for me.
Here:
2 h 20 min
